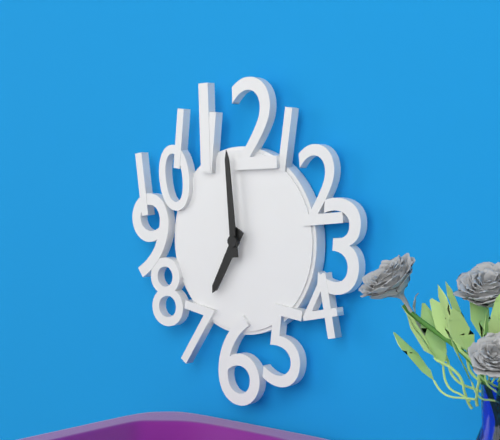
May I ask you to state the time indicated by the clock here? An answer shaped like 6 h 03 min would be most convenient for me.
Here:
6 h 59 min
